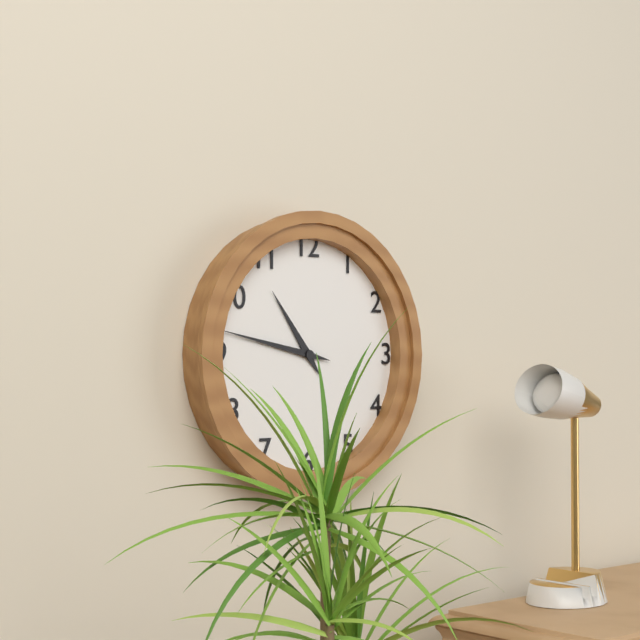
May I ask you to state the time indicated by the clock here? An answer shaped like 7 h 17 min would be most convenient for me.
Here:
10 h 47 min
